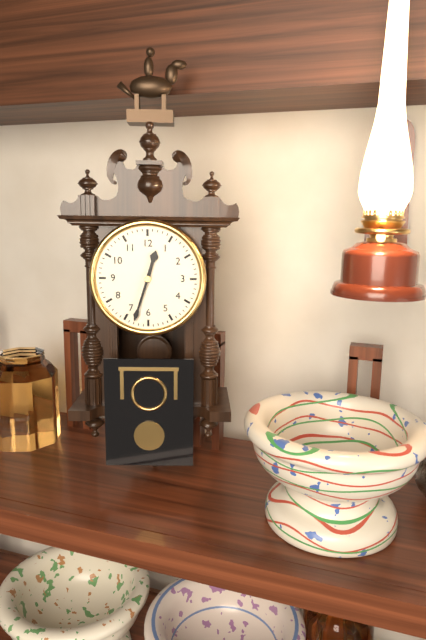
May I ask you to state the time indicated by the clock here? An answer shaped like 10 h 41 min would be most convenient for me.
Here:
12 h 33 min
